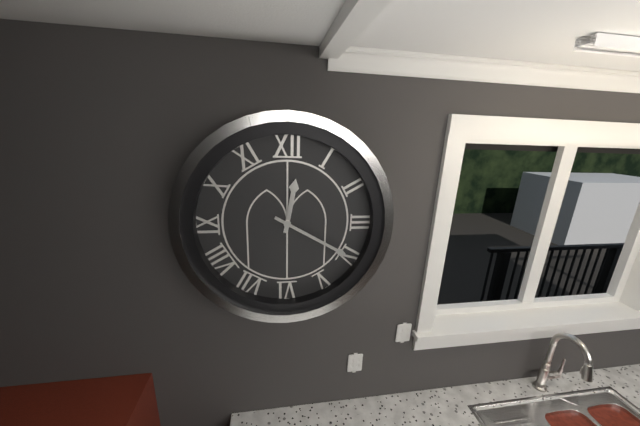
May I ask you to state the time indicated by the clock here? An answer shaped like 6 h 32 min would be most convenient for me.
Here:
12 h 20 min
